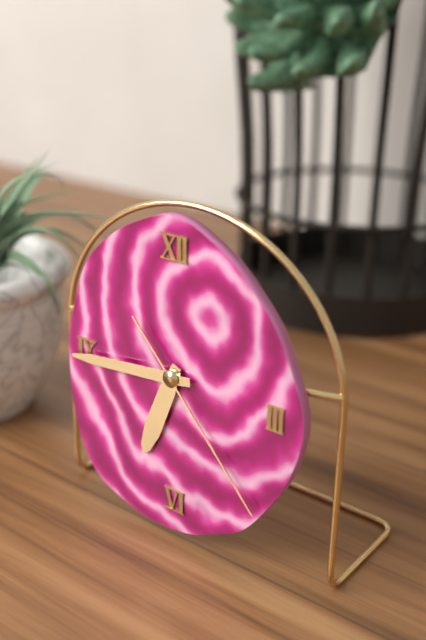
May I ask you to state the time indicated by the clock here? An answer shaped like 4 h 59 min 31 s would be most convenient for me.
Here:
6 h 44 min 23 s
